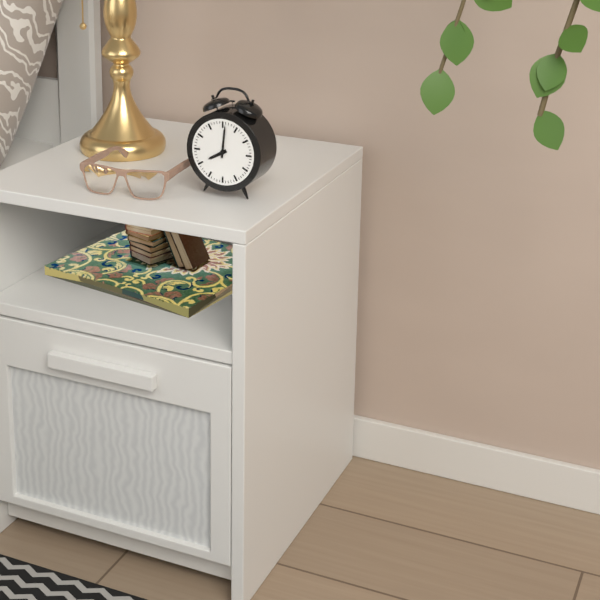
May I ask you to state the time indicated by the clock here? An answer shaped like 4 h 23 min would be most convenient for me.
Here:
8 h 01 min
